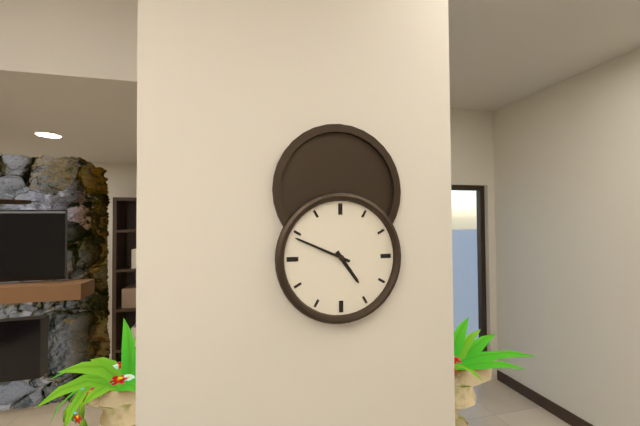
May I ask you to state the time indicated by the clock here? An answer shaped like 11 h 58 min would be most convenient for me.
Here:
4 h 49 min
